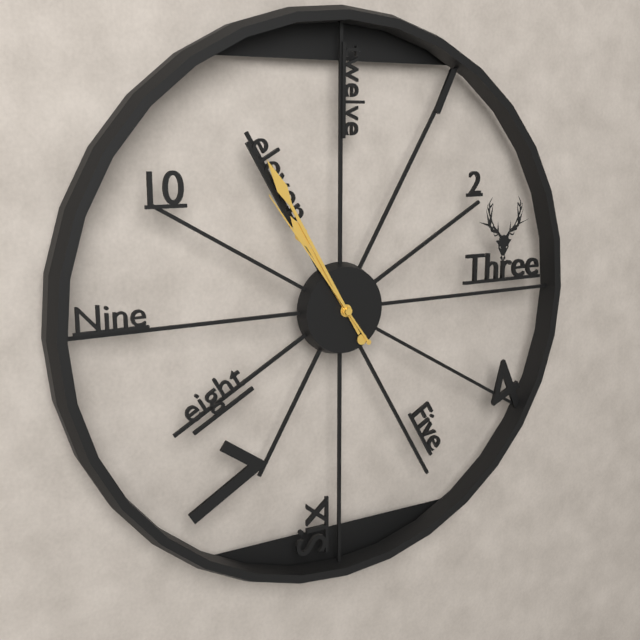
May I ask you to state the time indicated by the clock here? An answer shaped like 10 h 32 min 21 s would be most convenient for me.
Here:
10 h 55 min 54 s
